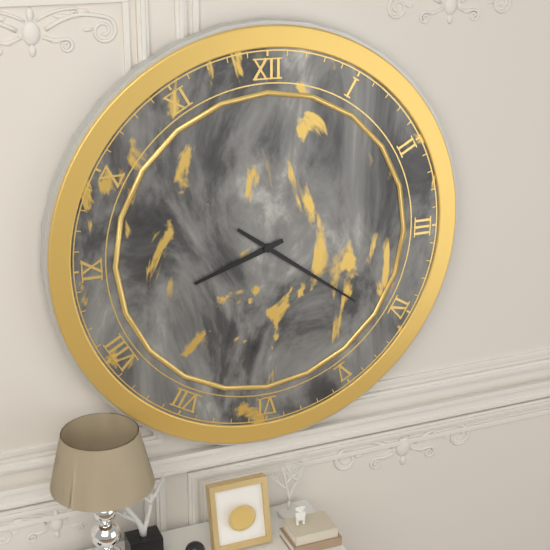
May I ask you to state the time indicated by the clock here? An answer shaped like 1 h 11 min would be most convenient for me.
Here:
8 h 21 min
